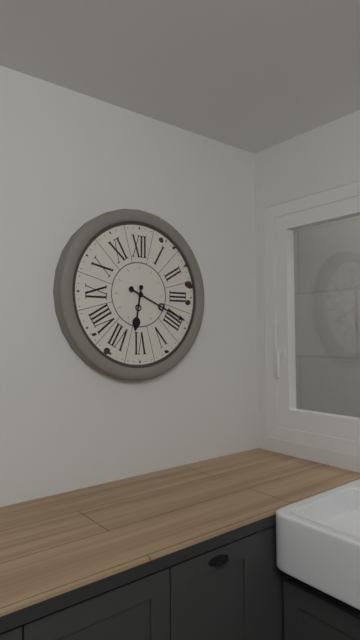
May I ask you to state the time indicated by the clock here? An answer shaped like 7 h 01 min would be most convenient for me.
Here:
6 h 19 min
